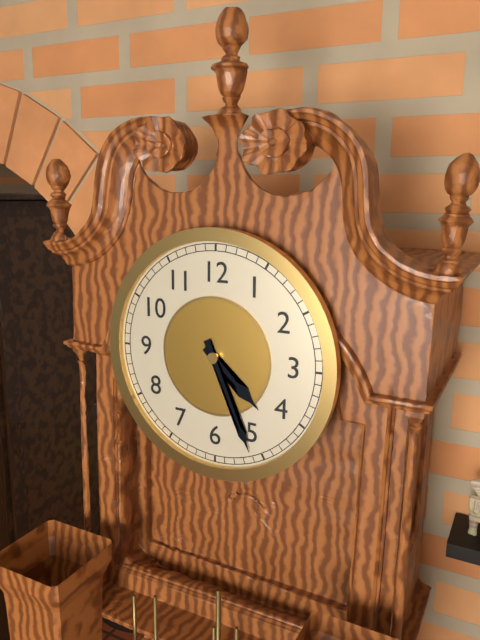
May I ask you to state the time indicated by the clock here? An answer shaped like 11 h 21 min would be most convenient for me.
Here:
4 h 26 min
